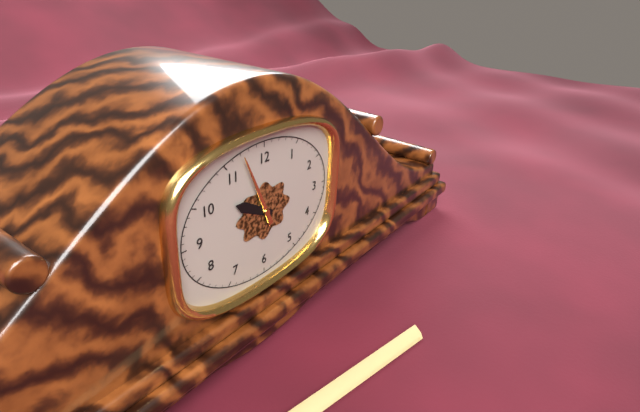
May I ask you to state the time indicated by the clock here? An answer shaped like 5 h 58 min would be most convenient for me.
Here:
9 h 56 min
